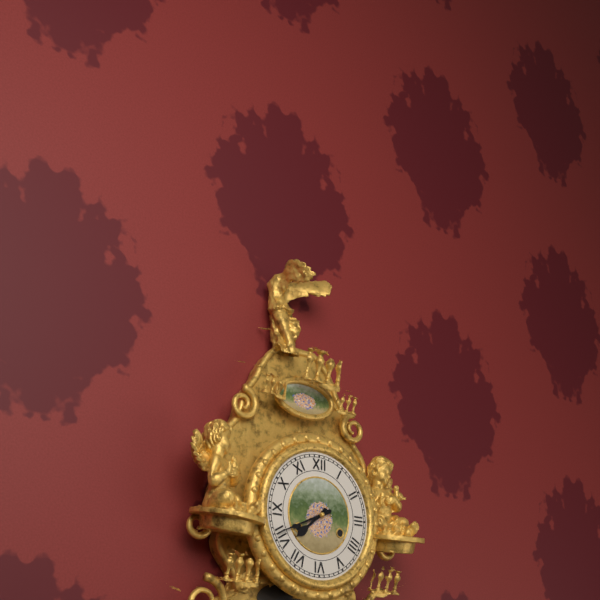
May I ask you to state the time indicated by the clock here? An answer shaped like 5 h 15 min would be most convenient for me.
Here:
7 h 41 min
